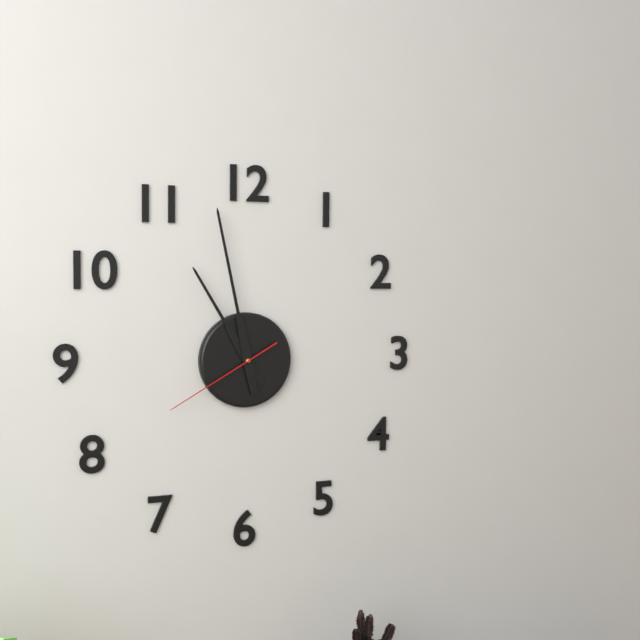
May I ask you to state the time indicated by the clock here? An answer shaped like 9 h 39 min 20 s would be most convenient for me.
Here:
10 h 58 min 40 s
